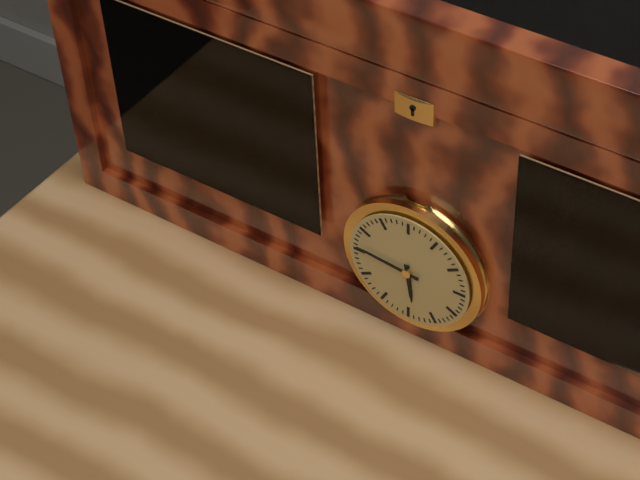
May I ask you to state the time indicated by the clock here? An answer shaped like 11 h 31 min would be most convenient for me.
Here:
5 h 46 min
